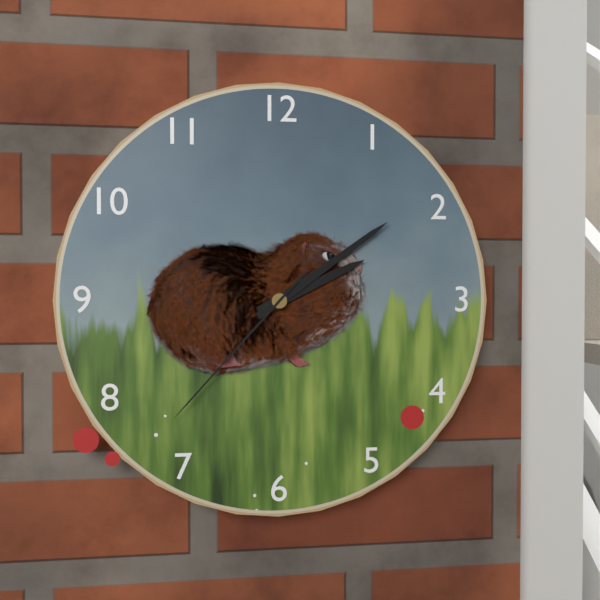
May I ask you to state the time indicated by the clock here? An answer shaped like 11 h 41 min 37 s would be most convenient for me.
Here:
2 h 09 min 37 s
